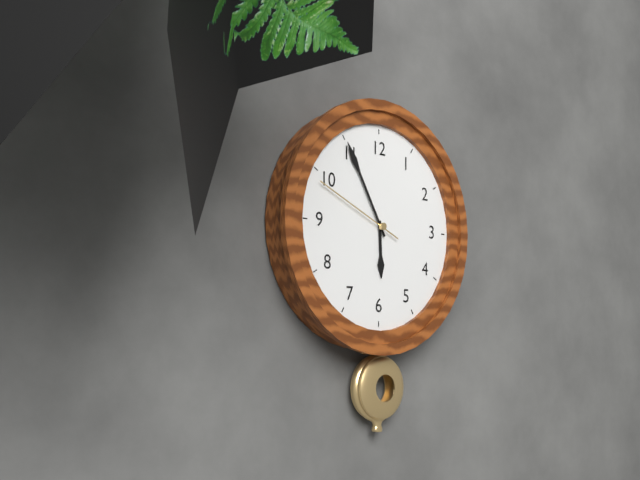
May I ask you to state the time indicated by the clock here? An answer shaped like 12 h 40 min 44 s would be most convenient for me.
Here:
5 h 55 min 49 s
